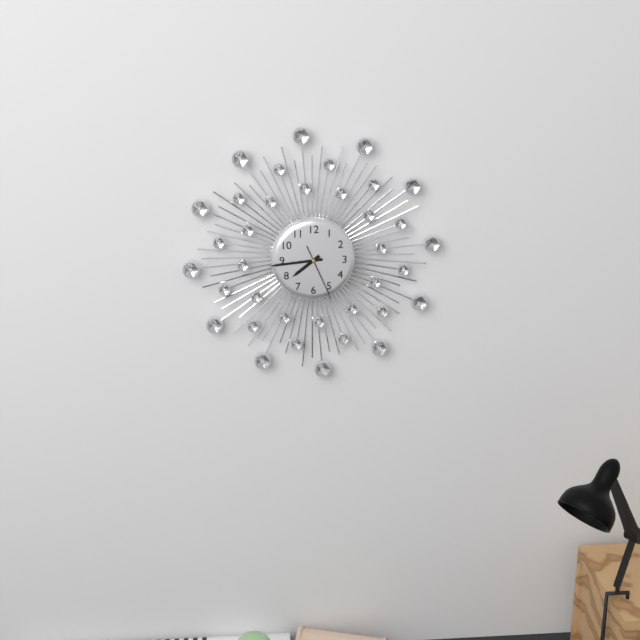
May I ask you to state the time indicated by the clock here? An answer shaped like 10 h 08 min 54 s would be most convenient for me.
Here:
7 h 44 min 26 s
